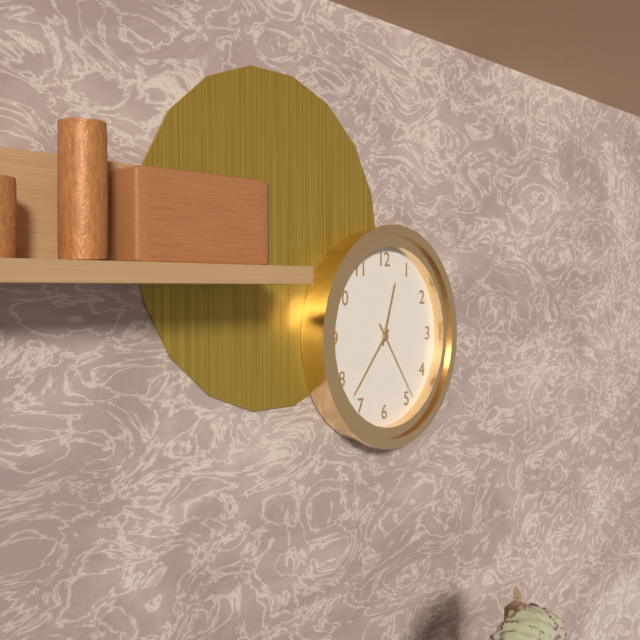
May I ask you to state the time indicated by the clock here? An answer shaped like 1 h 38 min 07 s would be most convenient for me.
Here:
12 h 37 min 24 s
